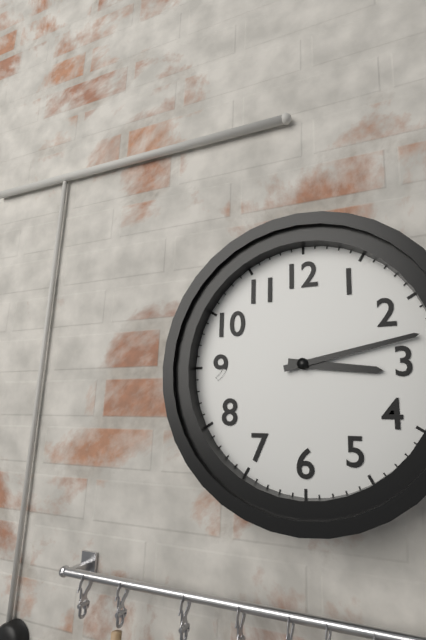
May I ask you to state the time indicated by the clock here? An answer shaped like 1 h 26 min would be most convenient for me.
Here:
3 h 13 min
